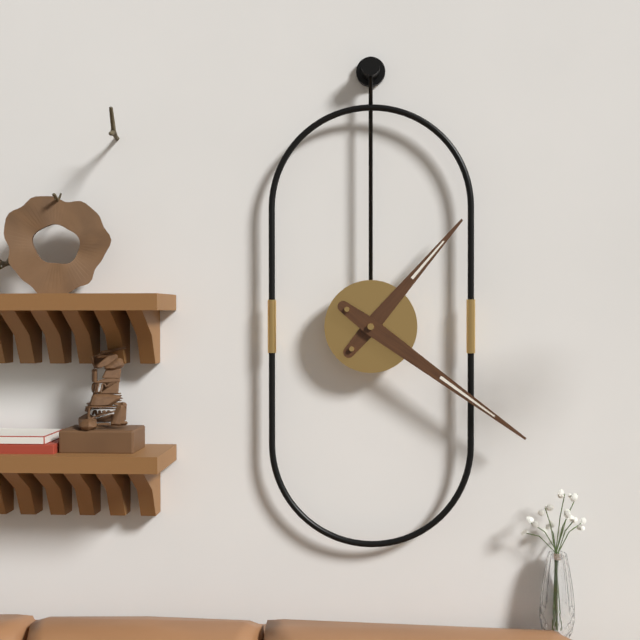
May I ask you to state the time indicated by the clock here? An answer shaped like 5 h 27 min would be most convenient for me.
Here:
1 h 21 min
